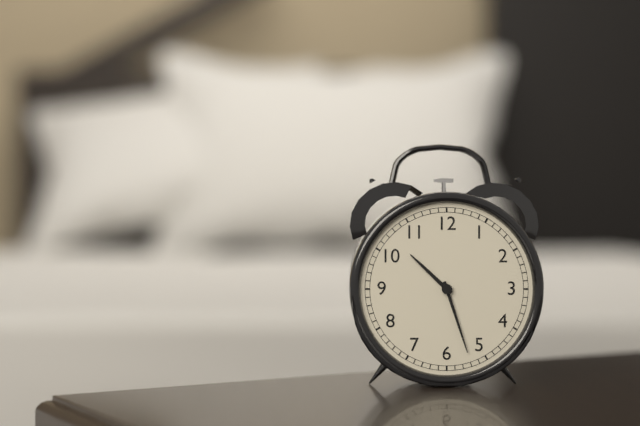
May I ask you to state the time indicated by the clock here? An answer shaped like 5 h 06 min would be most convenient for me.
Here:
10 h 27 min
